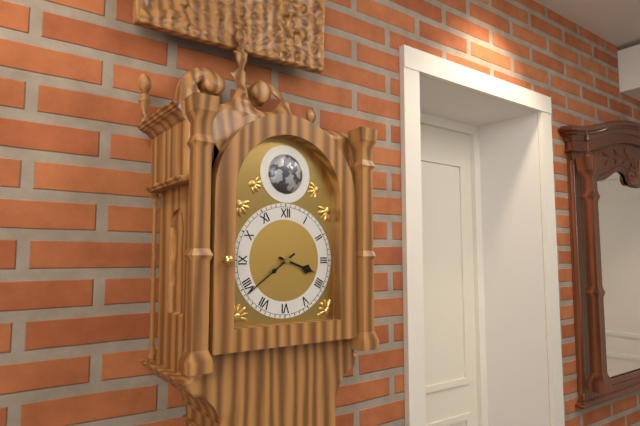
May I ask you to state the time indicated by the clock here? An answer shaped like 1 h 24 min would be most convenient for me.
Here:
3 h 39 min
